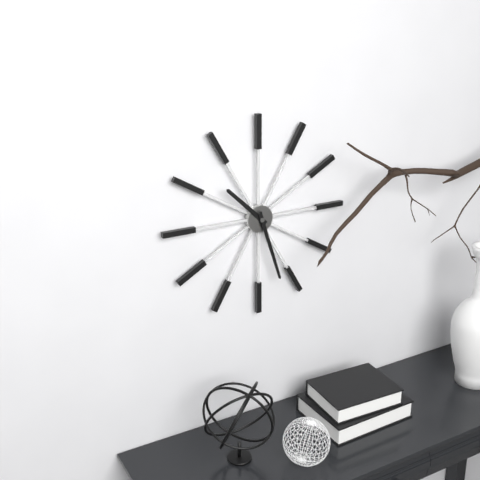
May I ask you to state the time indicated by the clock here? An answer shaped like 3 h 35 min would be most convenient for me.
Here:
10 h 27 min
